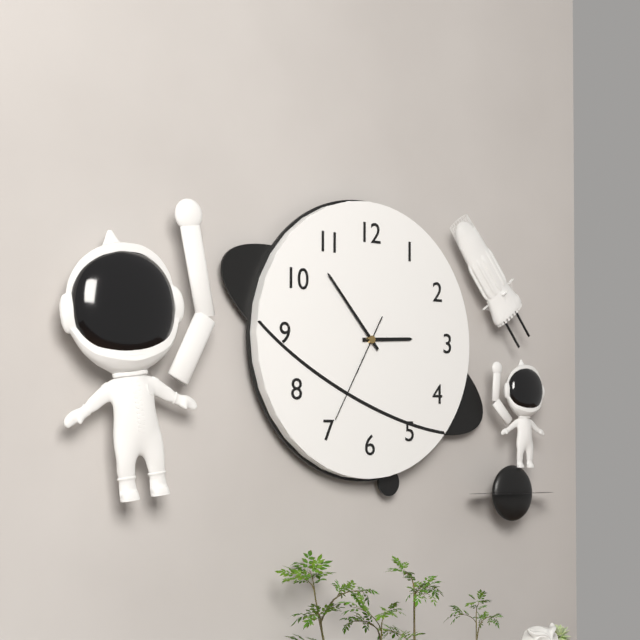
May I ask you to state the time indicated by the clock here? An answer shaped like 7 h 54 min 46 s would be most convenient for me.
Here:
2 h 53 min 35 s
